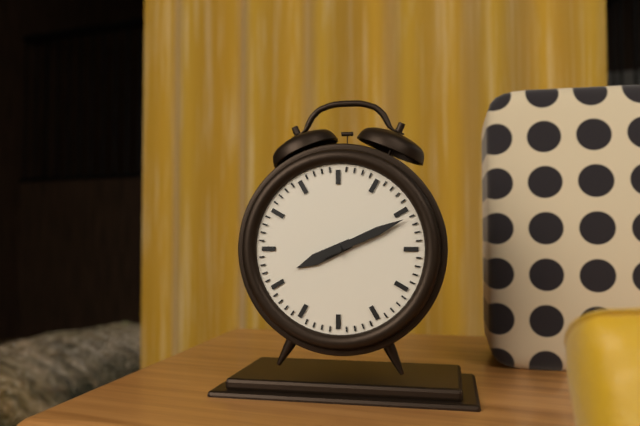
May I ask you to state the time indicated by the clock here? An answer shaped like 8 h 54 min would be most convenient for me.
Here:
8 h 11 min
